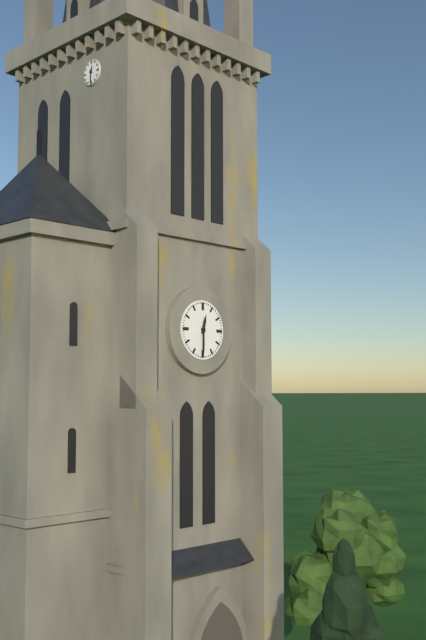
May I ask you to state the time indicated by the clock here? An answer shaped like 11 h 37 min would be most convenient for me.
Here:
12 h 30 min
